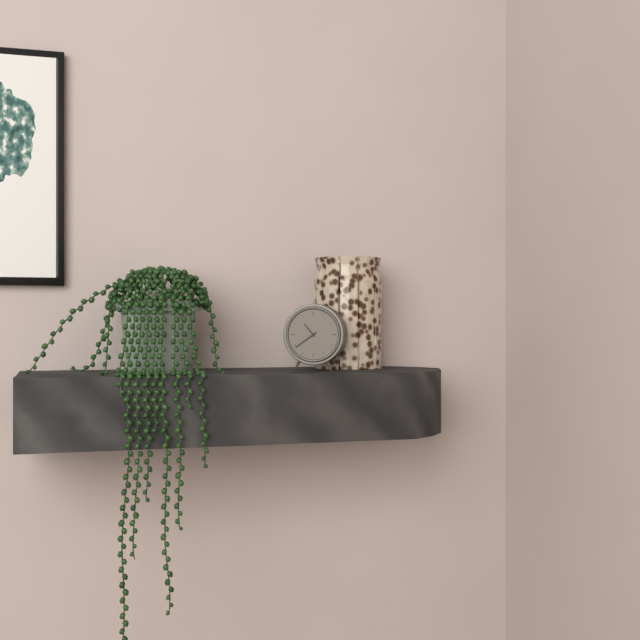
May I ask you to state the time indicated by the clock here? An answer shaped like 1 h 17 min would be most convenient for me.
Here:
10 h 39 min
